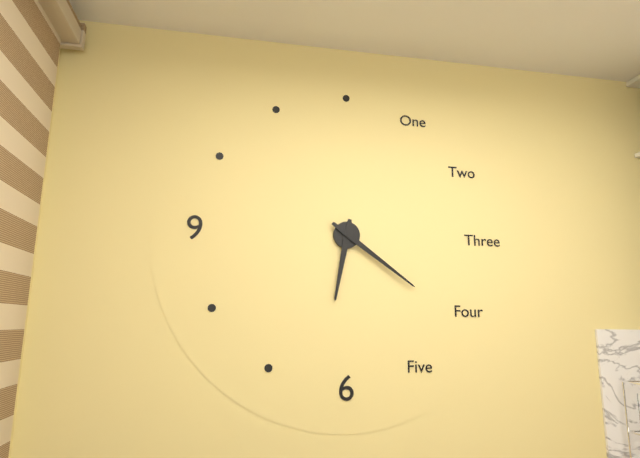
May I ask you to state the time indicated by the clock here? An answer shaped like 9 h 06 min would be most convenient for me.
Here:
6 h 21 min
